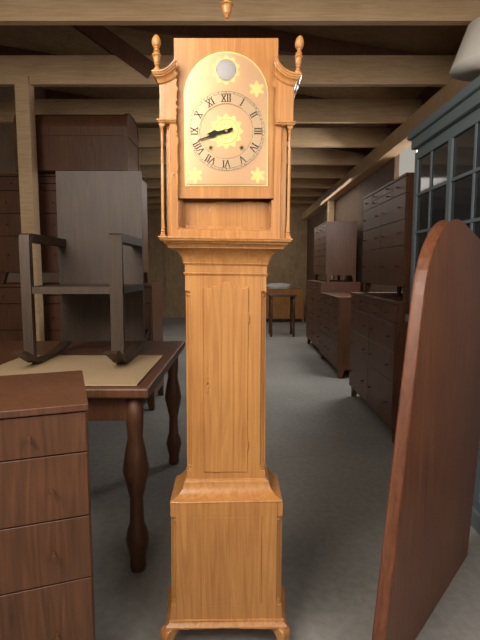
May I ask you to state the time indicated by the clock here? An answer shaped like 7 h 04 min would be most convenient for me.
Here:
8 h 42 min
